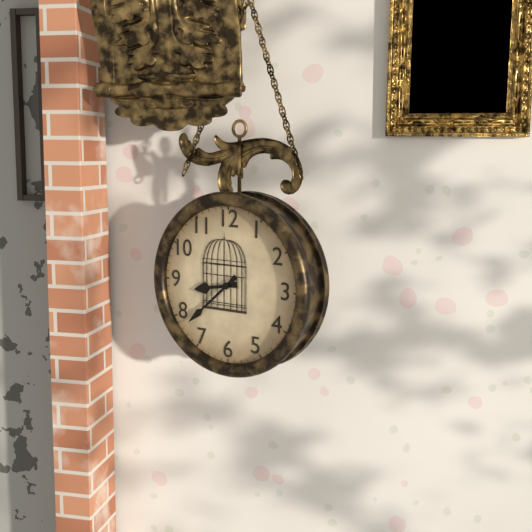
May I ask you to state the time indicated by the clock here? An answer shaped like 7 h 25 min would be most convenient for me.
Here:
8 h 38 min
